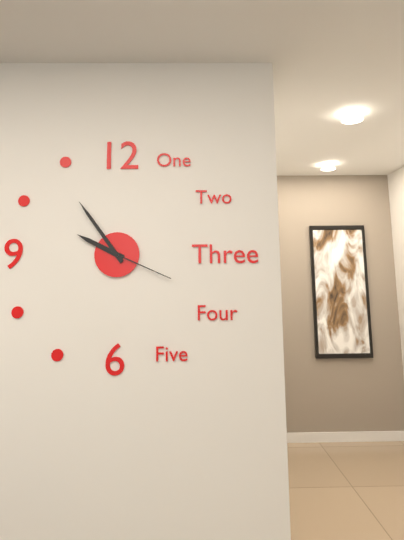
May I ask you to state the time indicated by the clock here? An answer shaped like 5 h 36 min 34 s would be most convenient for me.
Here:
9 h 54 min 19 s
